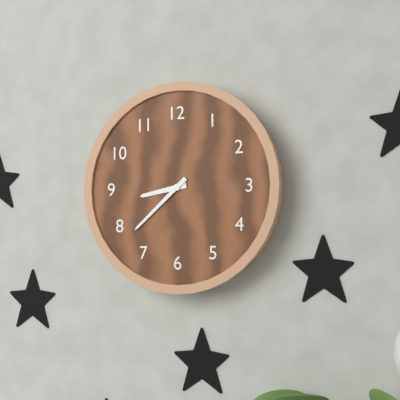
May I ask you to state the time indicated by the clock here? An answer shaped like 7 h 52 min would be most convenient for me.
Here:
8 h 38 min
